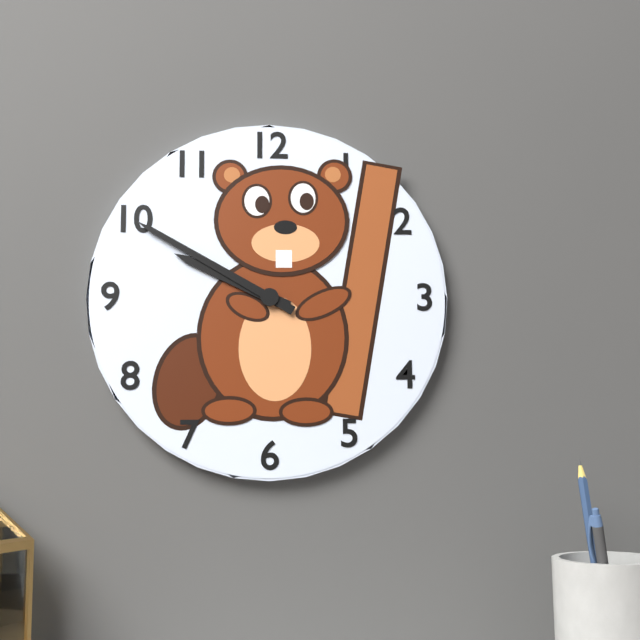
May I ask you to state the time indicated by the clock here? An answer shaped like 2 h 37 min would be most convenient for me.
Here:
9 h 50 min
